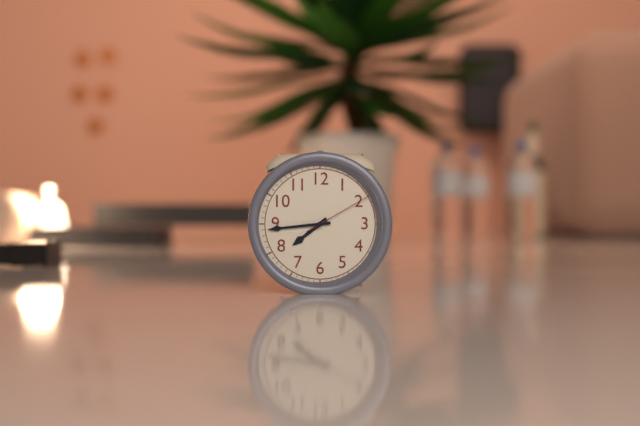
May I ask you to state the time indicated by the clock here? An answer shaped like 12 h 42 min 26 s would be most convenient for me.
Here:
7 h 44 min 10 s
